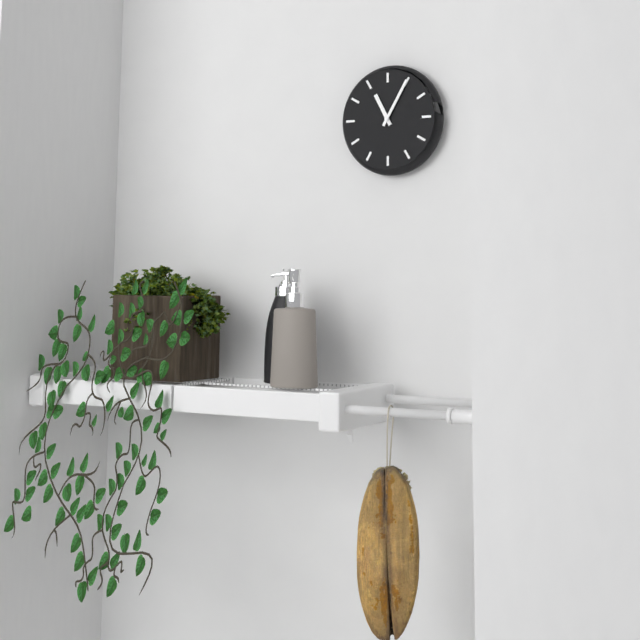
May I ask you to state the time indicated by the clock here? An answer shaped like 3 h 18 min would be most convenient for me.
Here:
11 h 05 min
